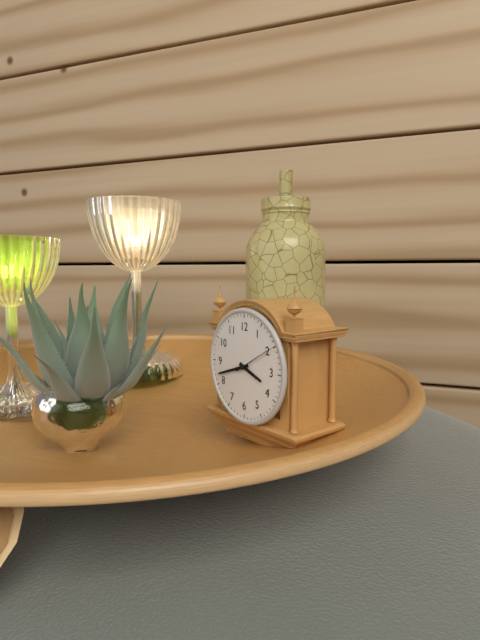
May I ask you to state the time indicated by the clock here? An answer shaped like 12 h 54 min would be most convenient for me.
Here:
3 h 42 min
